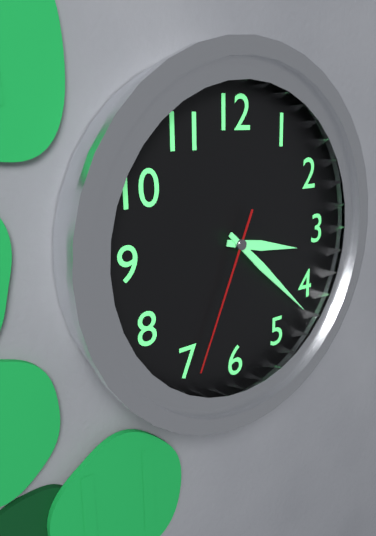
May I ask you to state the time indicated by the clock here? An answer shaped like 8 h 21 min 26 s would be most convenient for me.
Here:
3 h 22 min 34 s
